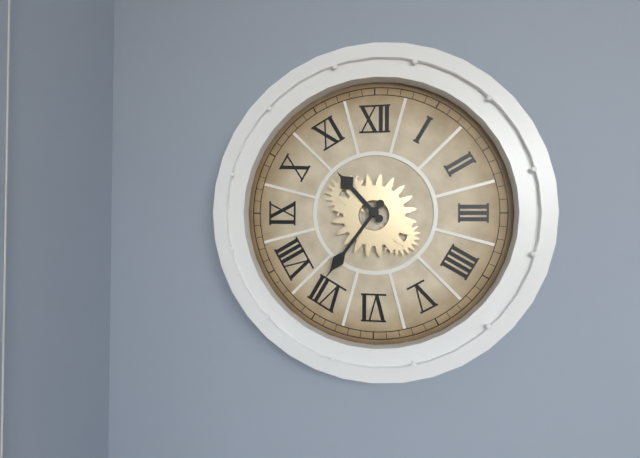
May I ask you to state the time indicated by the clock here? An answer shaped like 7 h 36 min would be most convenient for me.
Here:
10 h 36 min
